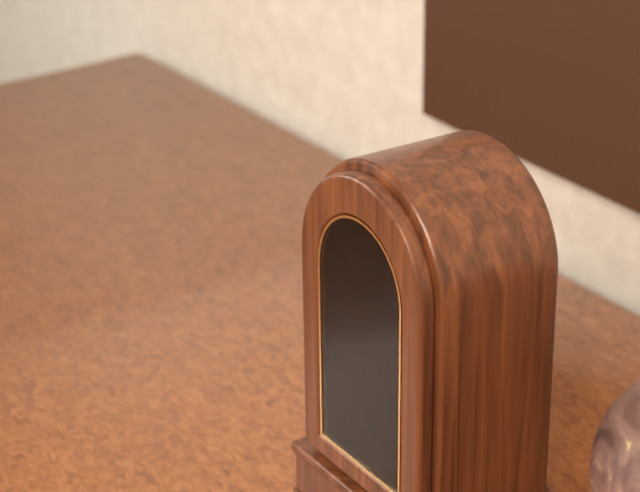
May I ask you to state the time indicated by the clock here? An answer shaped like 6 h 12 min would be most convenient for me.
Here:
6 h 50 min
